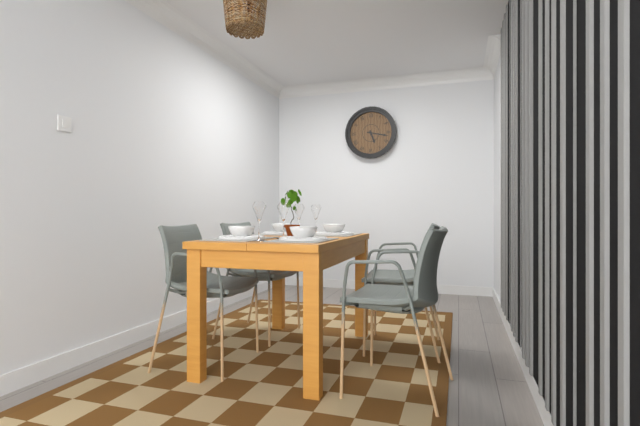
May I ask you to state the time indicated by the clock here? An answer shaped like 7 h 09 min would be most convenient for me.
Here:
5 h 17 min
